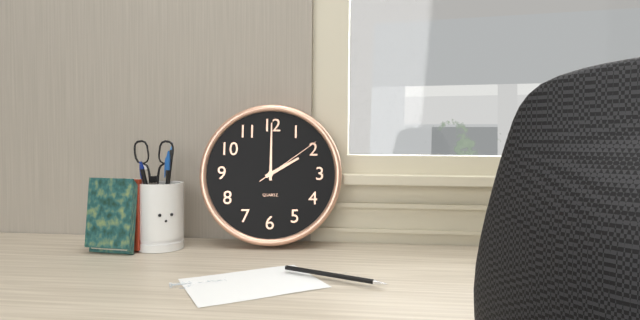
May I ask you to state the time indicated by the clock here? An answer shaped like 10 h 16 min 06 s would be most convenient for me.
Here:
2 h 00 min 09 s
